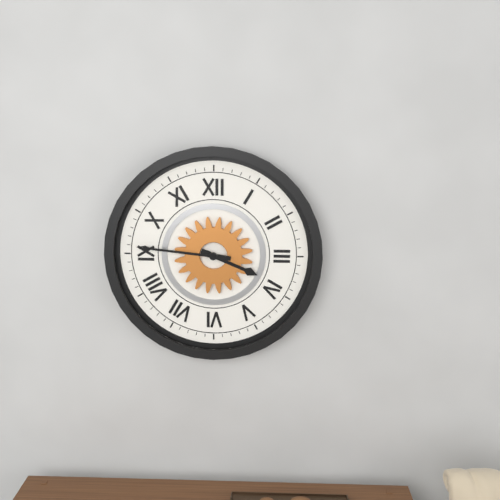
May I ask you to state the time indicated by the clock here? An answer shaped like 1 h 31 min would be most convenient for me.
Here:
3 h 46 min
